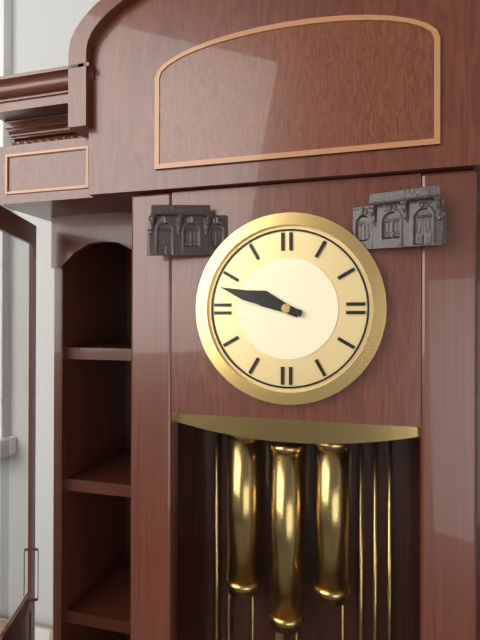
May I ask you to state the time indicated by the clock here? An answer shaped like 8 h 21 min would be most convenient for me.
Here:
9 h 48 min
